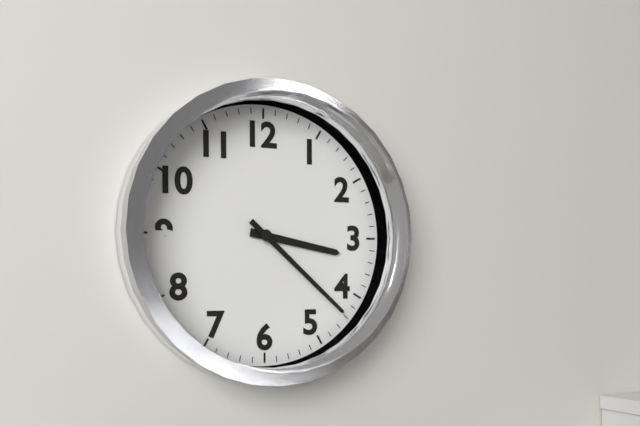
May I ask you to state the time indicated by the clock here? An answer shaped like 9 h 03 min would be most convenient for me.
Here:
3 h 22 min
